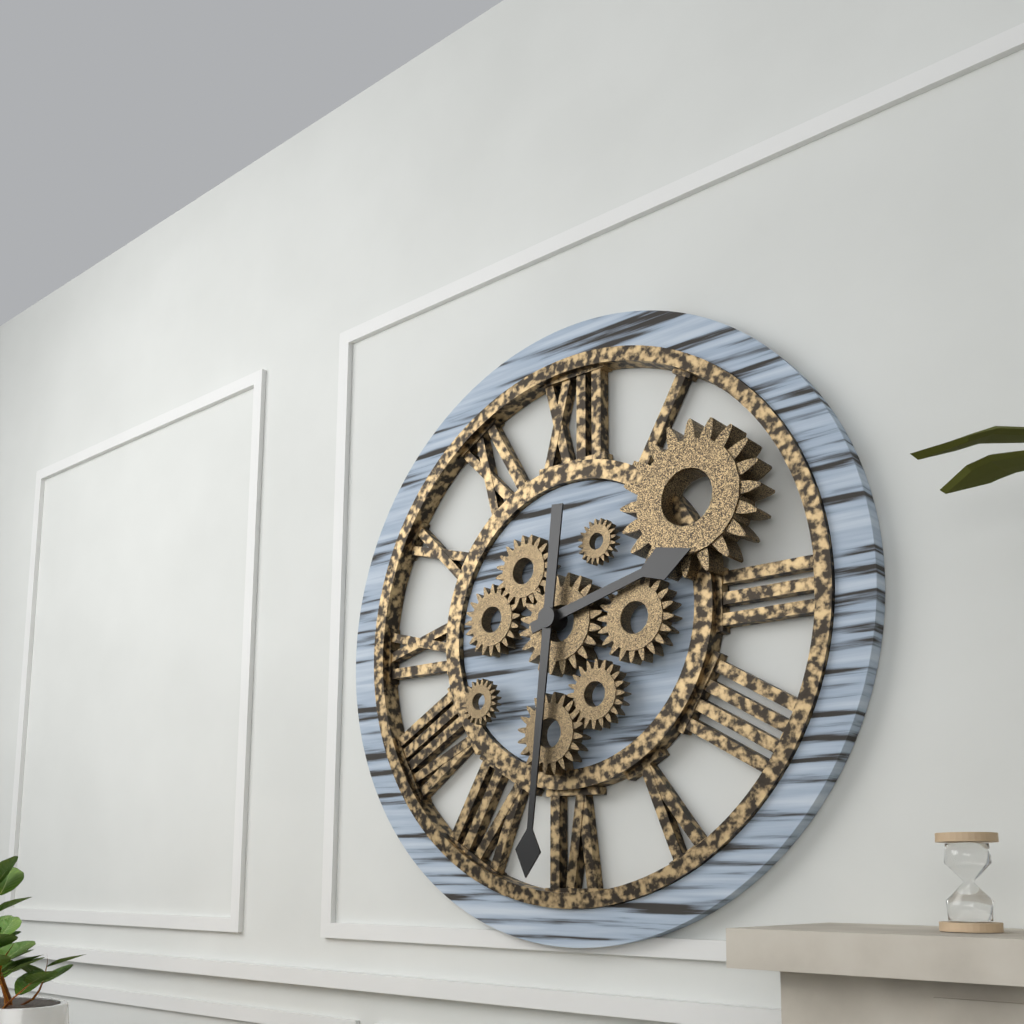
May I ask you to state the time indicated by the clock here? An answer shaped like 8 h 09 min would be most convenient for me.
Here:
2 h 31 min
